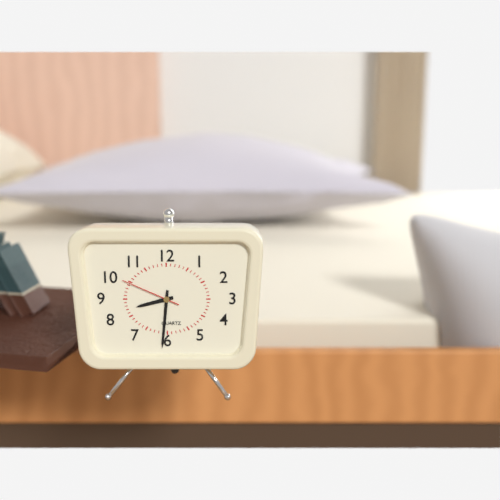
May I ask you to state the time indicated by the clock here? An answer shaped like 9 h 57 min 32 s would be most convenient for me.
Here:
8 h 31 min 49 s
